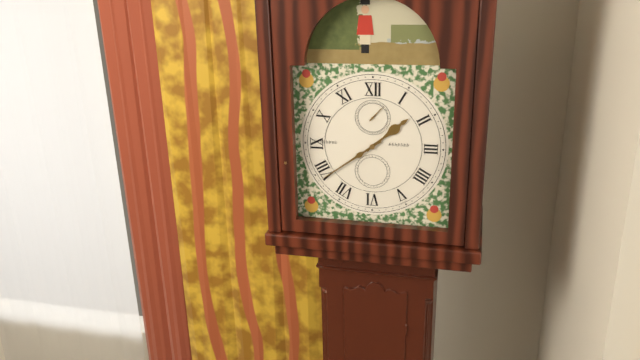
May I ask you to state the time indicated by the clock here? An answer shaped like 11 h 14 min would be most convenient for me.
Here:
1 h 39 min
